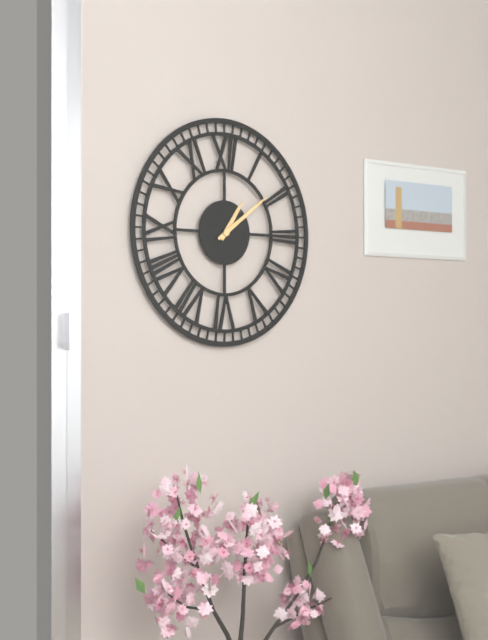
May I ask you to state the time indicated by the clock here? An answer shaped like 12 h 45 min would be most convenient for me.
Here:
1 h 09 min
